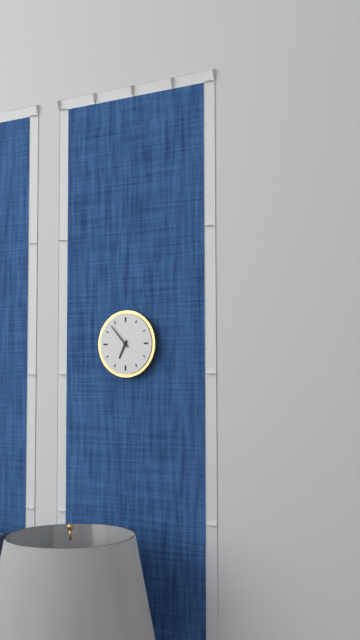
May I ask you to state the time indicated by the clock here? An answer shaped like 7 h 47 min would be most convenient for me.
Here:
6 h 53 min
